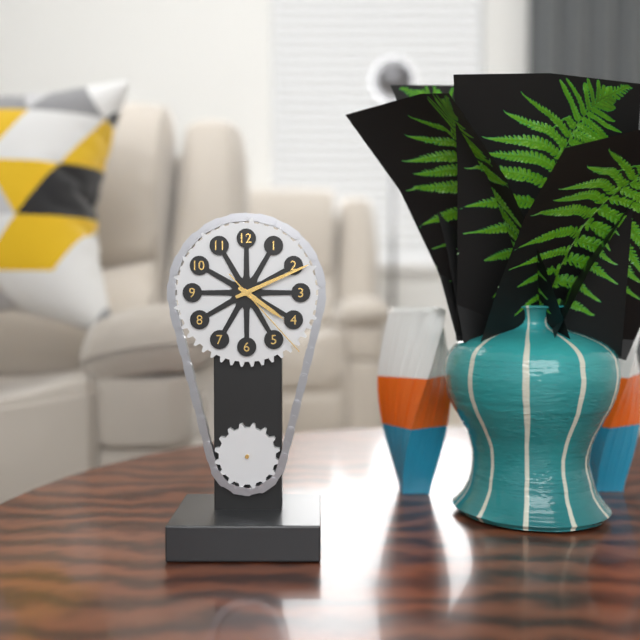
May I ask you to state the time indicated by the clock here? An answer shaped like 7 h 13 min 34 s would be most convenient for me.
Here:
4 h 11 min 23 s
